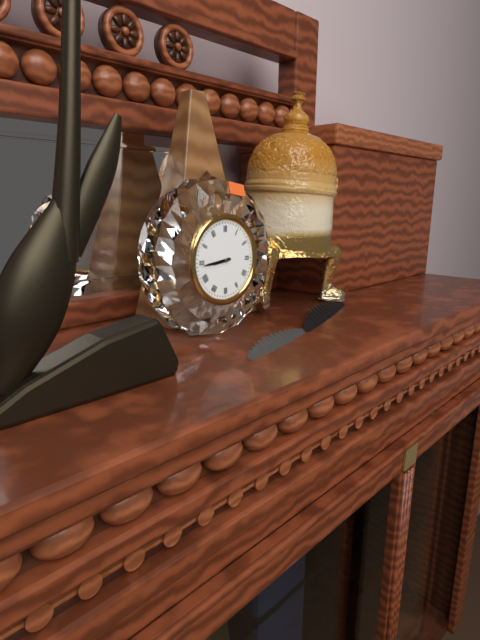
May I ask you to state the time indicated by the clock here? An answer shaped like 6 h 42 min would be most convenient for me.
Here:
8 h 44 min
